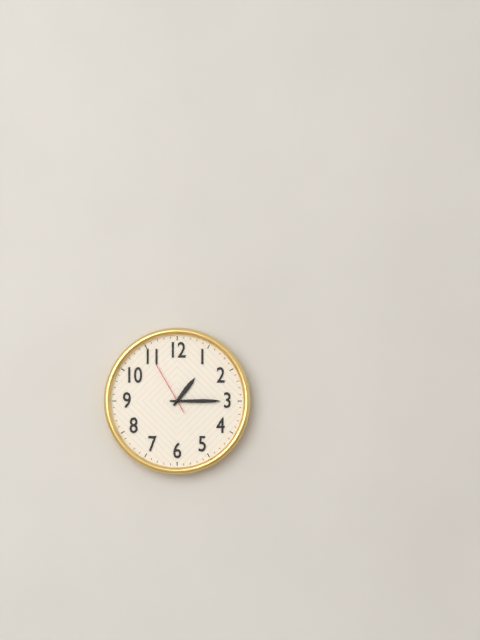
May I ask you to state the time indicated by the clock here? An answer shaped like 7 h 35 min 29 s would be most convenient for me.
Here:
1 h 15 min 55 s
